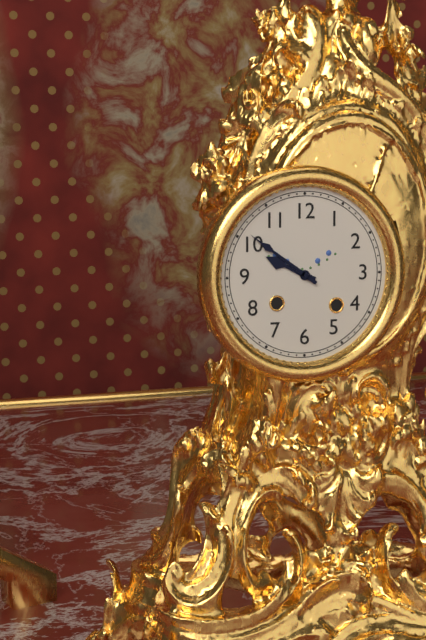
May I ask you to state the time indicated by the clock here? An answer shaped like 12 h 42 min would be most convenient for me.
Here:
9 h 51 min
